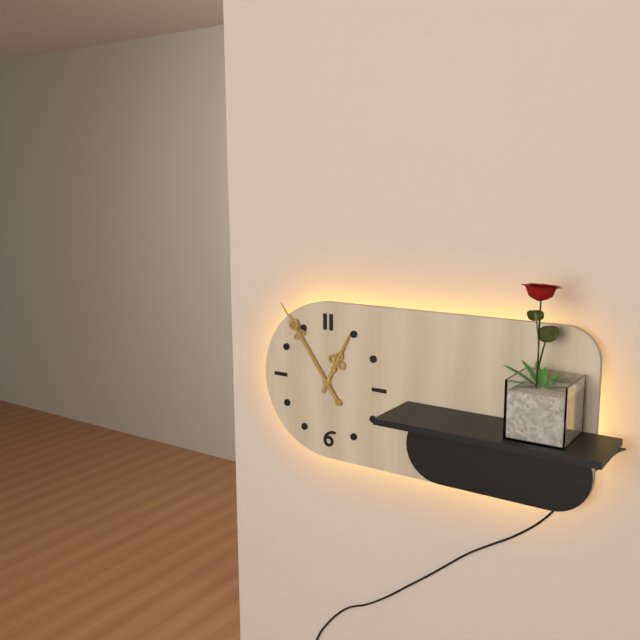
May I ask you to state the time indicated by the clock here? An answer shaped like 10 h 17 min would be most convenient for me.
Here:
12 h 54 min
